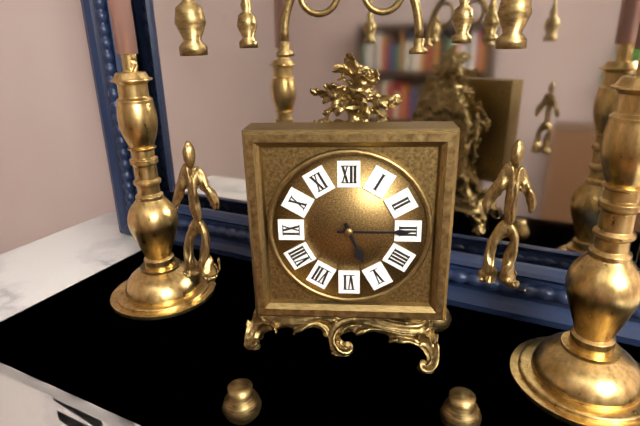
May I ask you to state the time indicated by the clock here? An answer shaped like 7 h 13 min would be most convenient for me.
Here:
5 h 15 min
